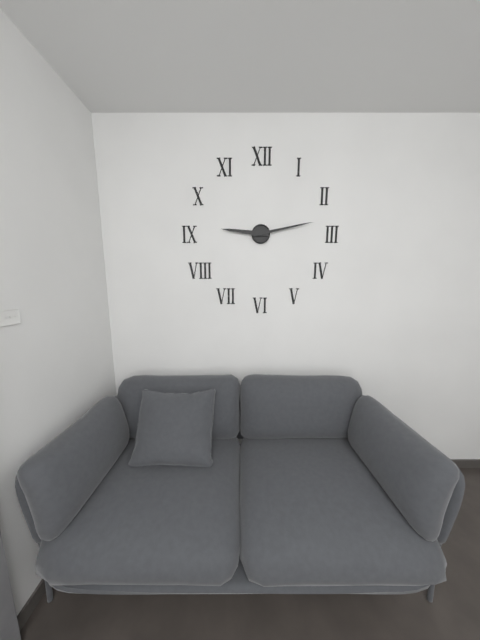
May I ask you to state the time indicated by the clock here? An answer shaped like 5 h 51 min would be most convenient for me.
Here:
9 h 13 min
